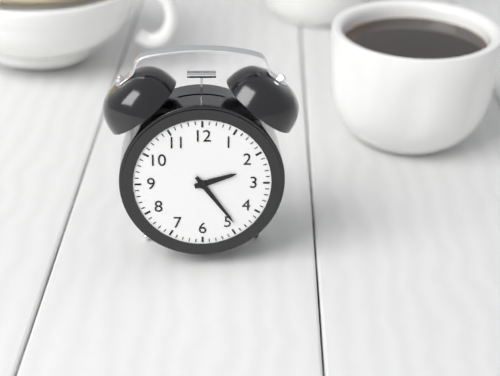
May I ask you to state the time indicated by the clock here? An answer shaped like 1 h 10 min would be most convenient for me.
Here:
2 h 24 min
